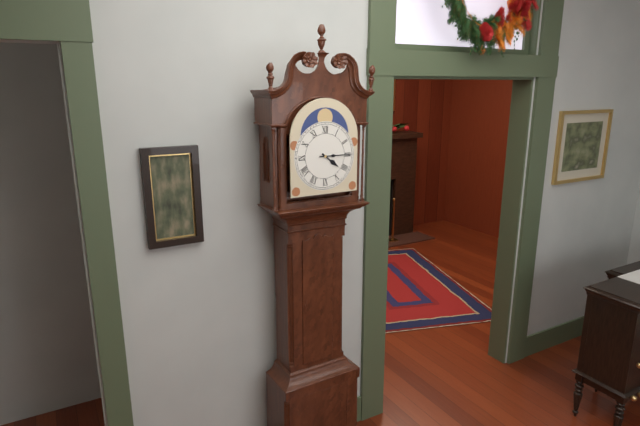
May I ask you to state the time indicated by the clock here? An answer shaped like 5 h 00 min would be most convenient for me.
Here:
4 h 15 min
